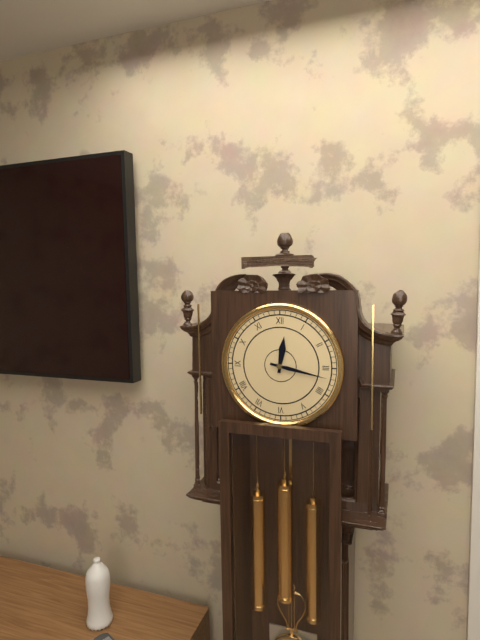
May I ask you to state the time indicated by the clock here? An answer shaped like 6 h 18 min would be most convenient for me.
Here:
12 h 17 min
